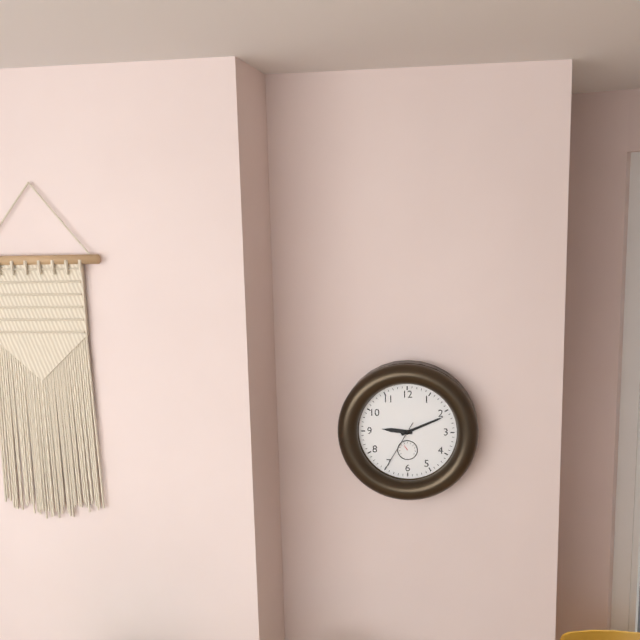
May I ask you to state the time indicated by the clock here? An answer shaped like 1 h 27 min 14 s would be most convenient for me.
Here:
9 h 11 min 35 s
